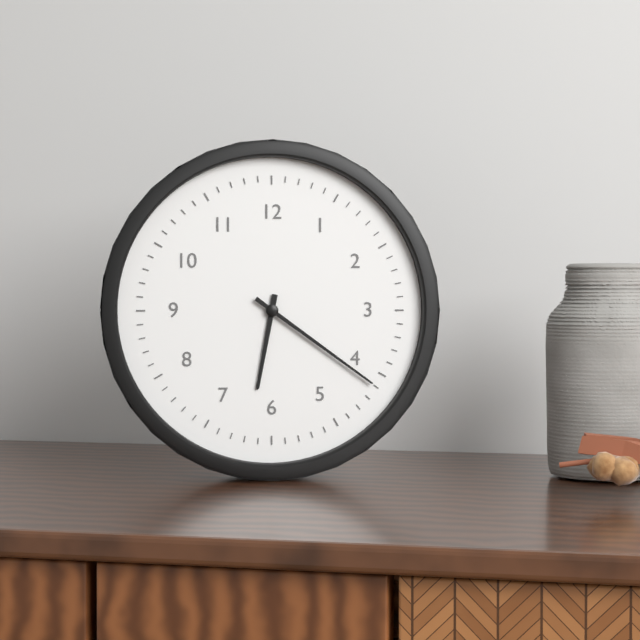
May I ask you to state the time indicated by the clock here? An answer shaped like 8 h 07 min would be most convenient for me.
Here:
6 h 21 min
